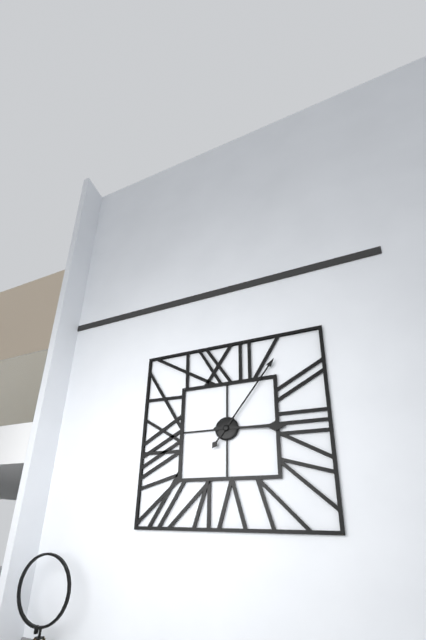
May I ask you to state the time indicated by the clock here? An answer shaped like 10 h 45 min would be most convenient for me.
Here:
3 h 06 min
